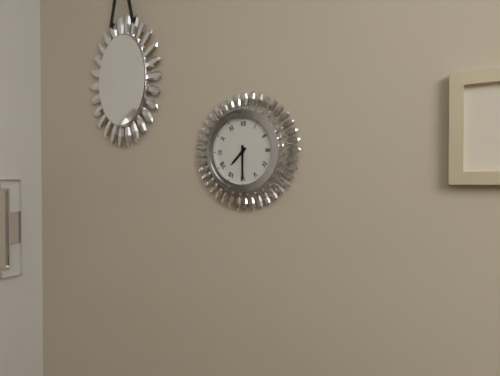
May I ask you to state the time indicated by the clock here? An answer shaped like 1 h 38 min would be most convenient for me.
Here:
7 h 30 min
